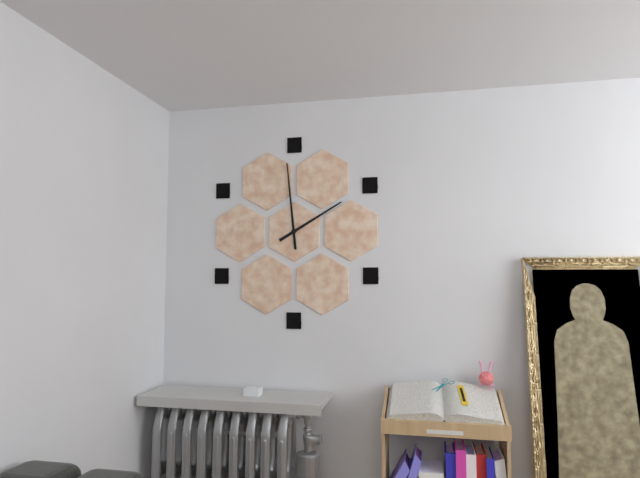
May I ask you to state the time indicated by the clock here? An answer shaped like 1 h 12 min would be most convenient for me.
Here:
1 h 59 min
